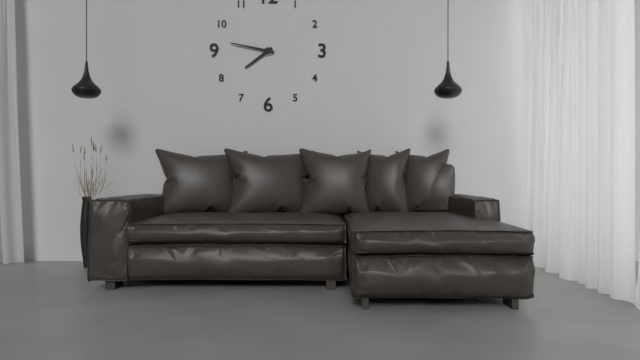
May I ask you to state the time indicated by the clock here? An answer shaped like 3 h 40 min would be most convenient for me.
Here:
7 h 47 min
